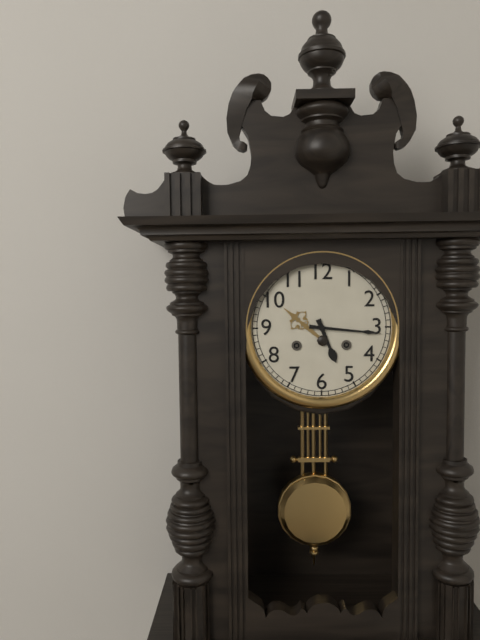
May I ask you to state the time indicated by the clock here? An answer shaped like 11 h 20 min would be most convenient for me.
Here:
5 h 16 min
